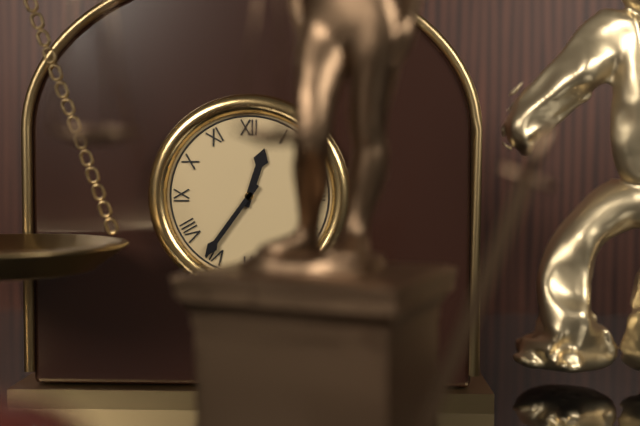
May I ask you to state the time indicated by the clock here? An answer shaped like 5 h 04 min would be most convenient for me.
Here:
12 h 36 min
